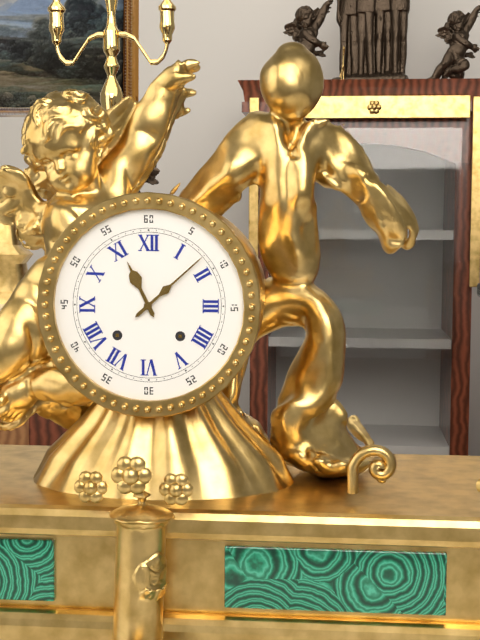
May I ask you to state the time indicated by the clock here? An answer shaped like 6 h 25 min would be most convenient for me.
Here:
11 h 08 min
